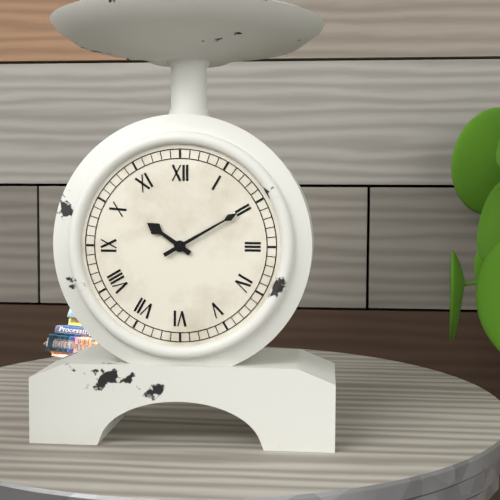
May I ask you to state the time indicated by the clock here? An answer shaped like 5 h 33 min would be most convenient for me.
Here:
10 h 10 min
